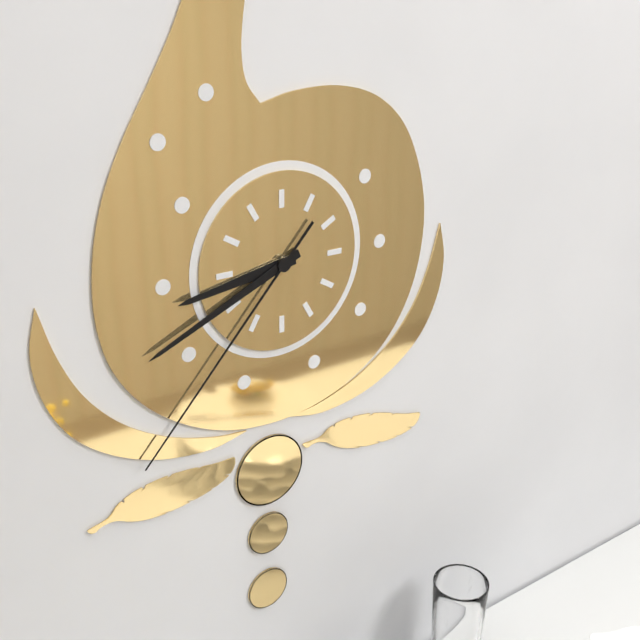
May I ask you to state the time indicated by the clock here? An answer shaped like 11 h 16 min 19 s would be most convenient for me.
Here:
8 h 41 min 37 s
